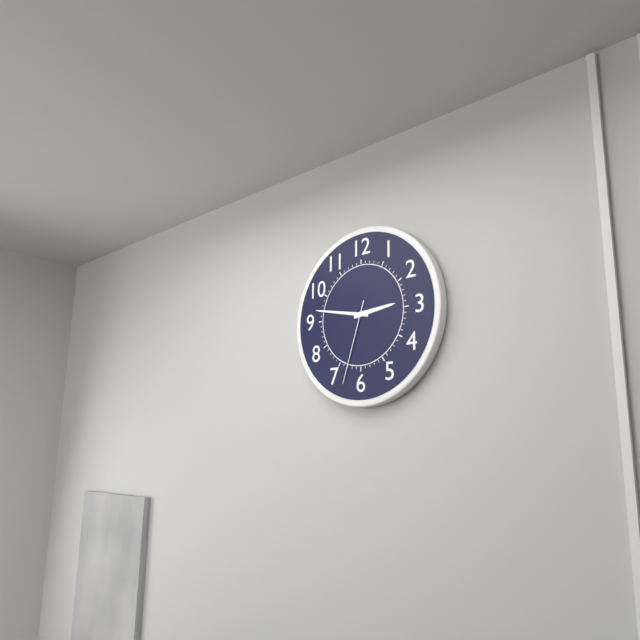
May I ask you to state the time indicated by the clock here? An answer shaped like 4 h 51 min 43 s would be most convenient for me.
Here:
2 h 47 min 33 s
